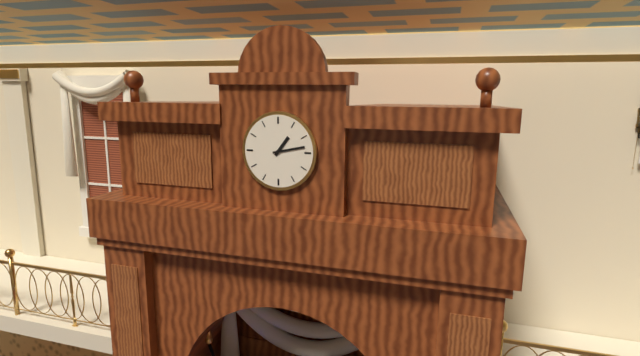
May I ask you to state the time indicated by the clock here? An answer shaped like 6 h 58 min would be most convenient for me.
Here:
1 h 13 min
